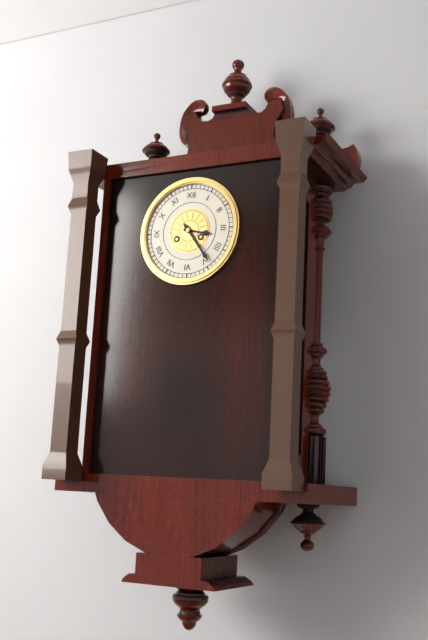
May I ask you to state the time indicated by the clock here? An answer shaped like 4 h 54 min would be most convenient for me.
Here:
3 h 24 min
